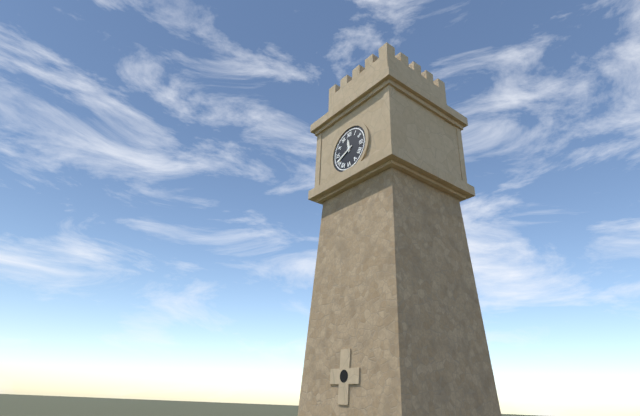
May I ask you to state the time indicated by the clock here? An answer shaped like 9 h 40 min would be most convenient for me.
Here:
11 h 41 min
